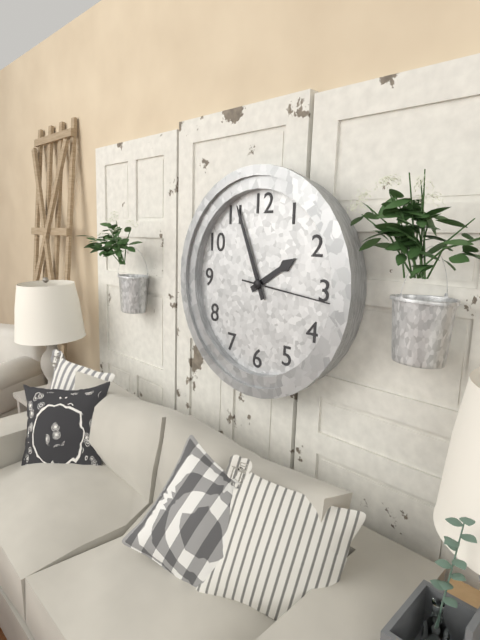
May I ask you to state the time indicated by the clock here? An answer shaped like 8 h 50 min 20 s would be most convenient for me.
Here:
1 h 56 min 16 s
